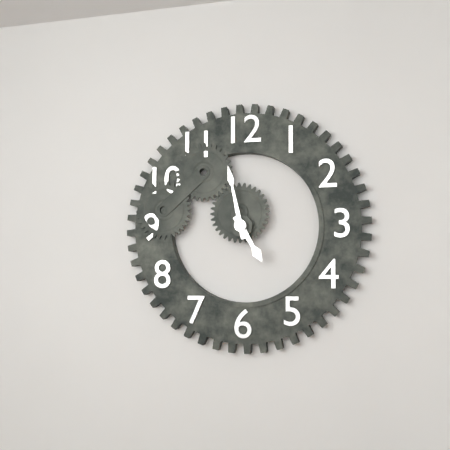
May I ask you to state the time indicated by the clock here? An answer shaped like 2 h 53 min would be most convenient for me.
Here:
4 h 58 min
